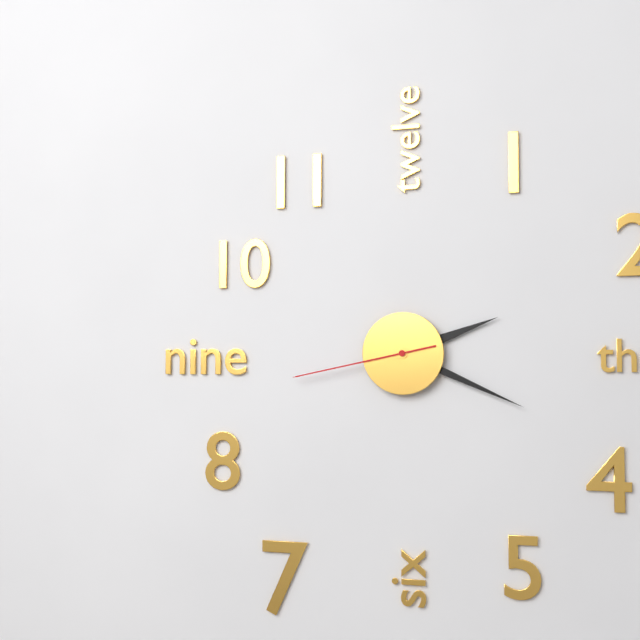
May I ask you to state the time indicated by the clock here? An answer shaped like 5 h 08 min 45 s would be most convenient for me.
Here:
2 h 19 min 43 s
